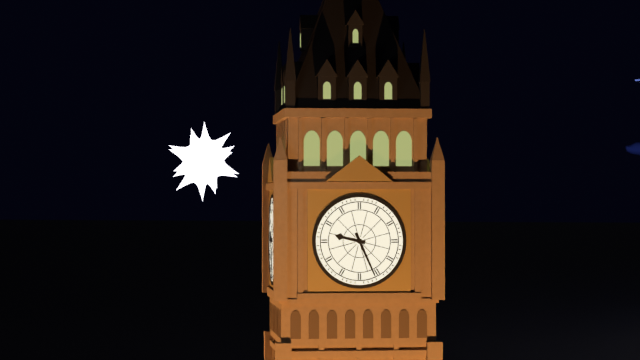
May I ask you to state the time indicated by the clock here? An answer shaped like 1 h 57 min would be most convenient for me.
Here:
9 h 26 min
